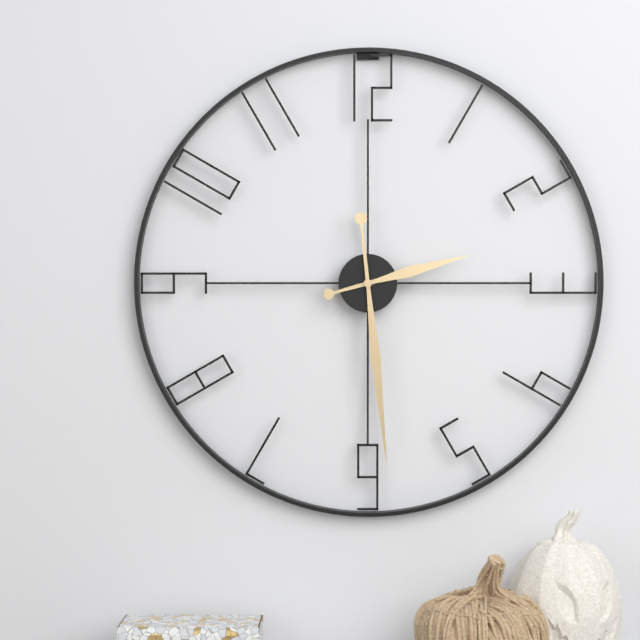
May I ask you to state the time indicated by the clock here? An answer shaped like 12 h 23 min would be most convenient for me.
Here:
2 h 29 min
